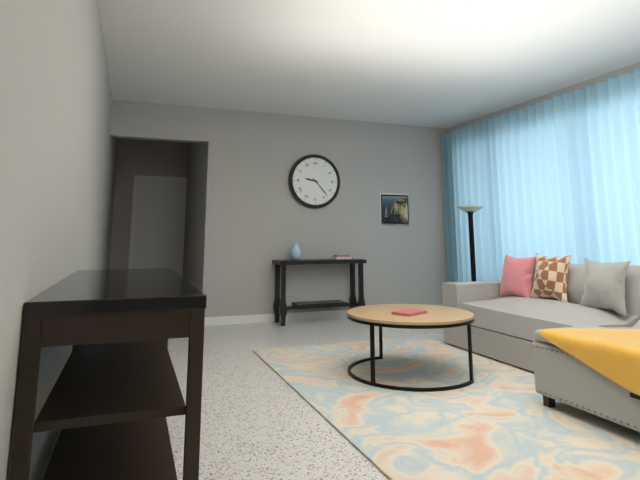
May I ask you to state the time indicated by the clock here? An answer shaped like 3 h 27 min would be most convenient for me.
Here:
9 h 23 min
